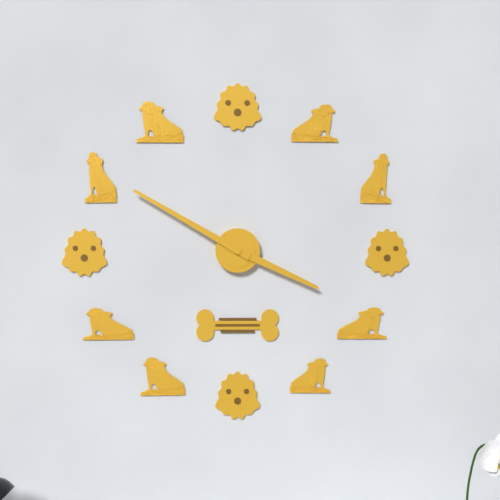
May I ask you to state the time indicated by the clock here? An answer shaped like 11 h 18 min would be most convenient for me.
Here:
3 h 50 min
